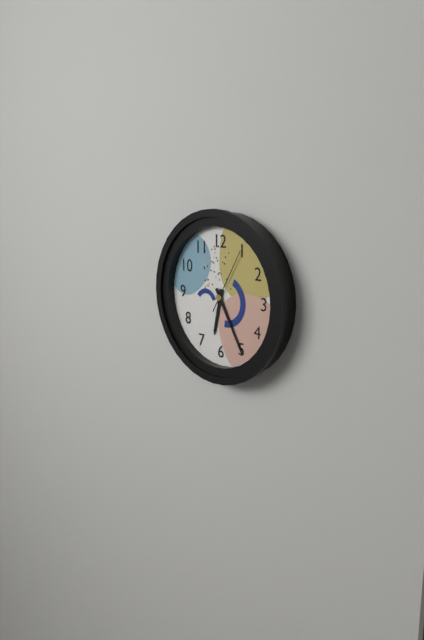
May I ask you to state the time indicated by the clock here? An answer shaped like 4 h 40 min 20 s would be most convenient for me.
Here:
6 h 25 min 05 s
